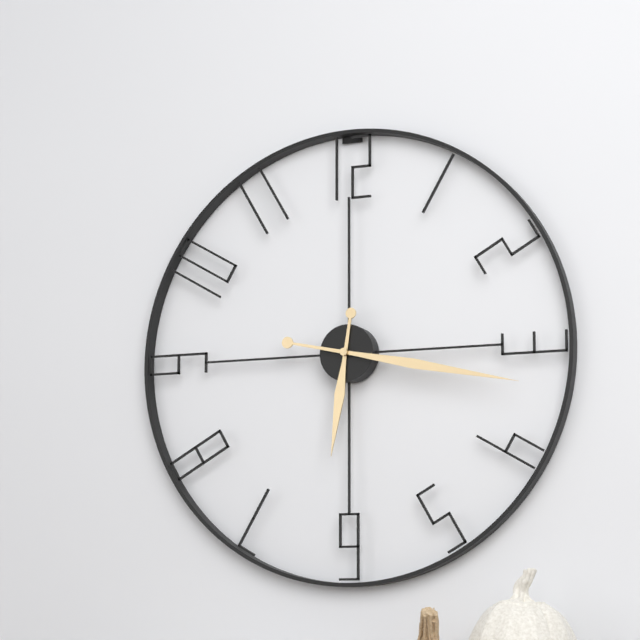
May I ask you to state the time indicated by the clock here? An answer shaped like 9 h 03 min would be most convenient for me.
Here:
6 h 17 min
